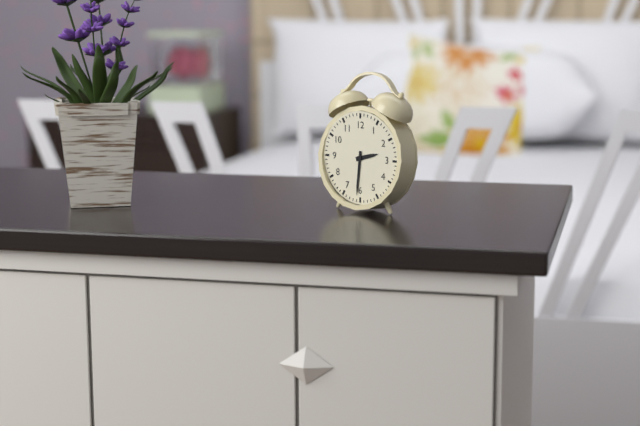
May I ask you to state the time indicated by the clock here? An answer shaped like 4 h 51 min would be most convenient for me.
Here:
2 h 31 min
